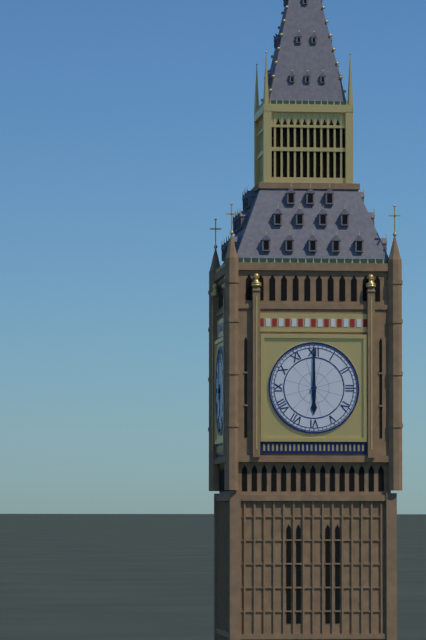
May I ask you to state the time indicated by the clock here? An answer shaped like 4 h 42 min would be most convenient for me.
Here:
6 h 00 min
